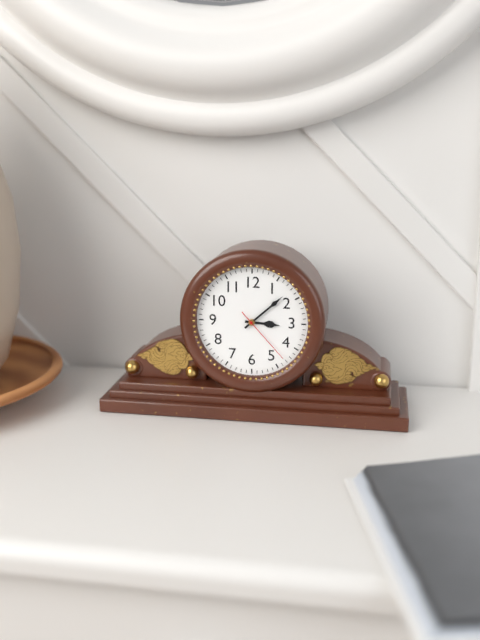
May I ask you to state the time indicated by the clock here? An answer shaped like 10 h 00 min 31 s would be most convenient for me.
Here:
3 h 08 min 23 s
